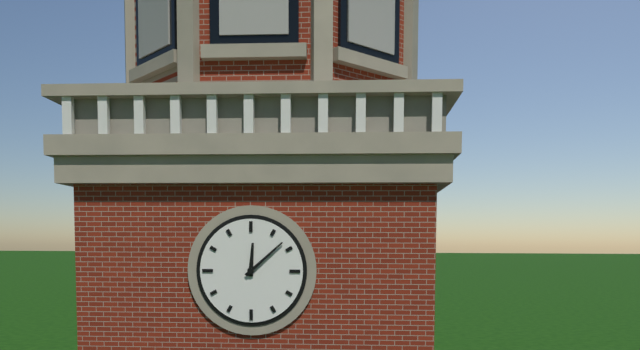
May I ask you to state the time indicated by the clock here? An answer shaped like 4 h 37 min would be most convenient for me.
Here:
12 h 08 min
